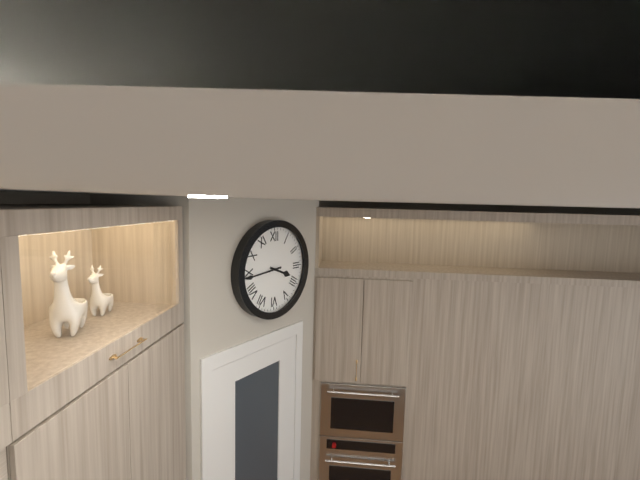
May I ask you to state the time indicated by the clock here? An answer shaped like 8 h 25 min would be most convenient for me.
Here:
3 h 44 min
